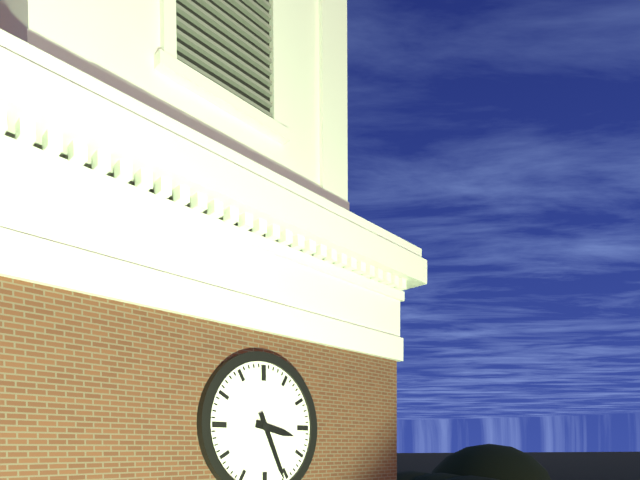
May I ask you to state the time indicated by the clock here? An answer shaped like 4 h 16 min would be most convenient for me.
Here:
3 h 26 min
